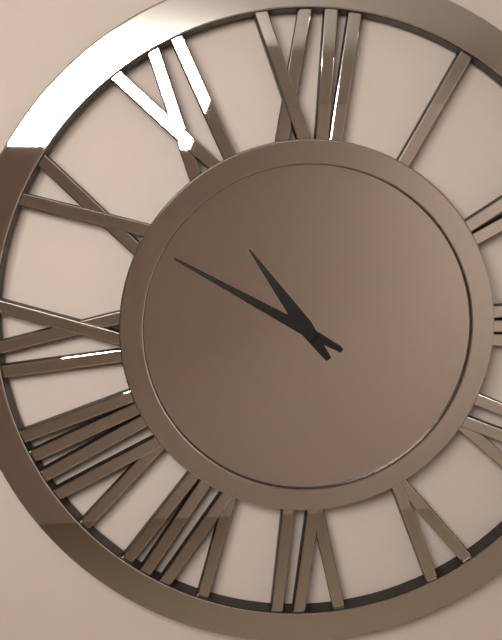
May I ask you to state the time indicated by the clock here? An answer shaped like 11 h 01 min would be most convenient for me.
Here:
10 h 50 min
